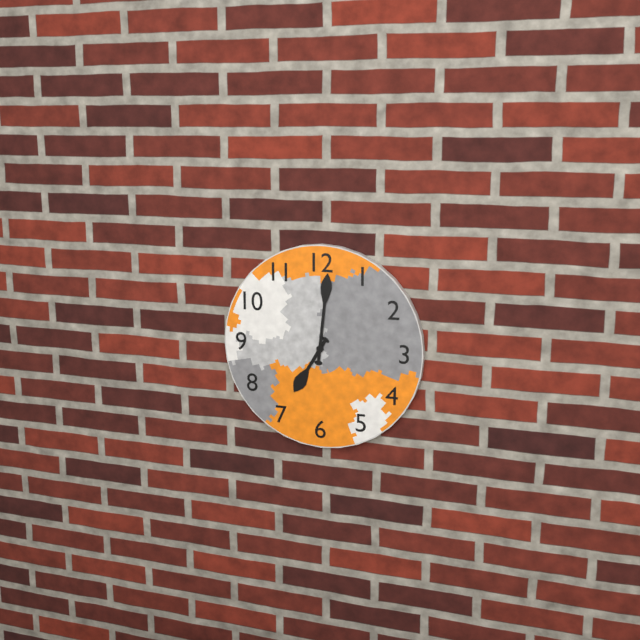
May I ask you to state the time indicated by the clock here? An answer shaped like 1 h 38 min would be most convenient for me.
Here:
7 h 01 min
